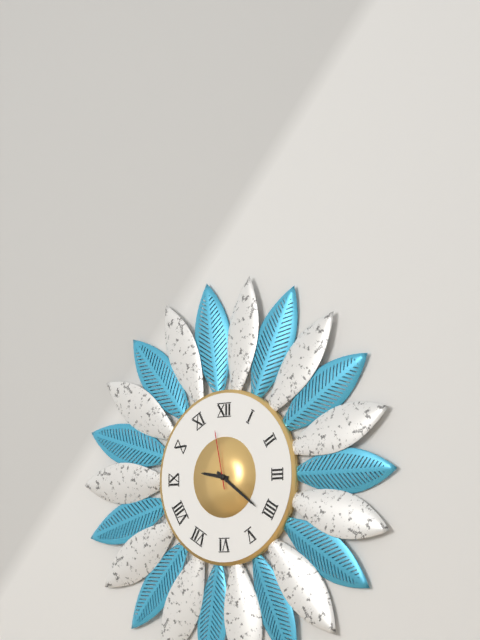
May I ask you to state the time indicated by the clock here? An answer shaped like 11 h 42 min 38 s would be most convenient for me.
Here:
9 h 21 min 58 s
